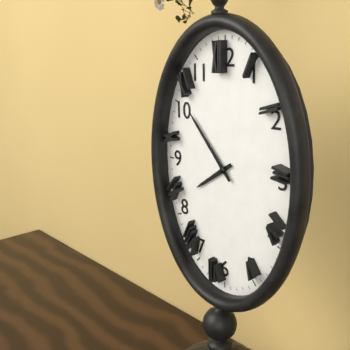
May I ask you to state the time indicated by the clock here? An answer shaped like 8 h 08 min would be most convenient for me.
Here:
7 h 53 min
